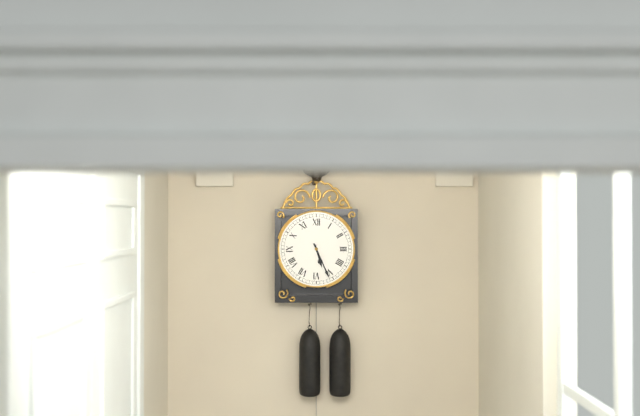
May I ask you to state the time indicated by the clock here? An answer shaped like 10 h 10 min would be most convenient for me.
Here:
5 h 26 min
